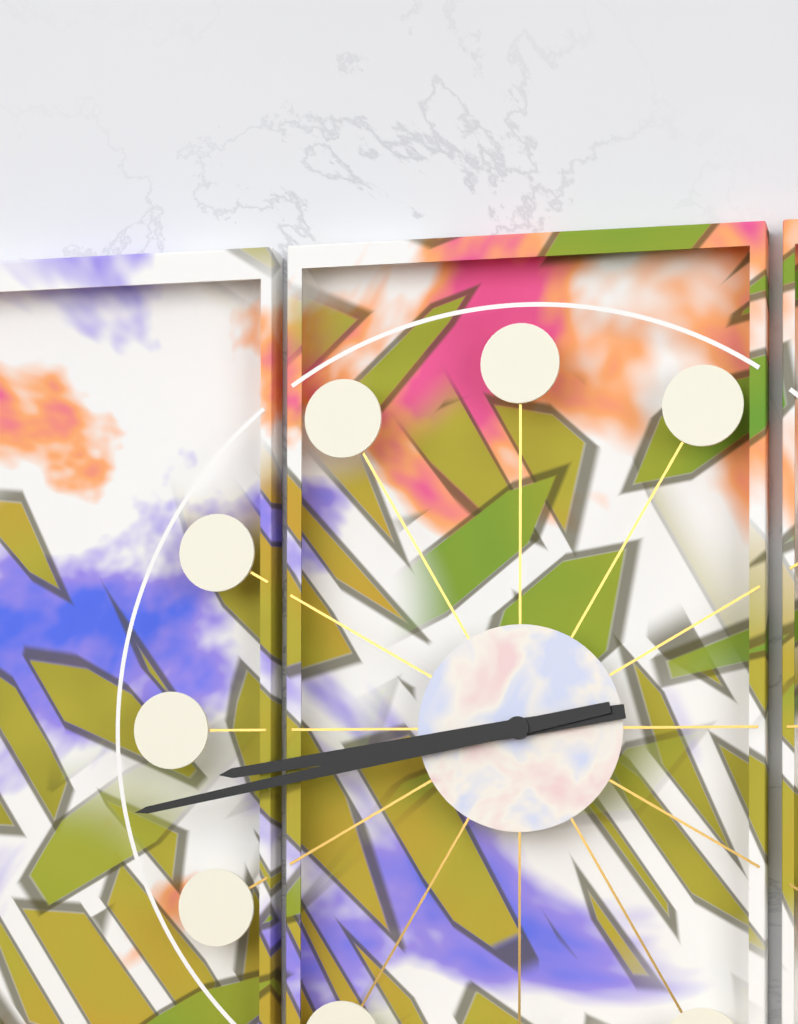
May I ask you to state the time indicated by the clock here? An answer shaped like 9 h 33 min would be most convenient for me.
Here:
8 h 43 min
